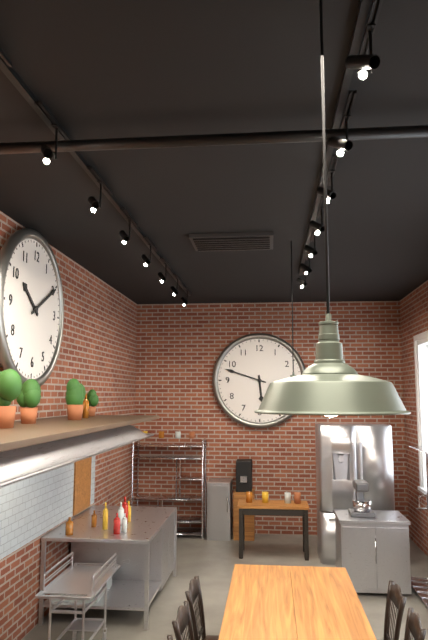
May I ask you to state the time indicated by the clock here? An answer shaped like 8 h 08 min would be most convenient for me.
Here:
5 h 48 min
